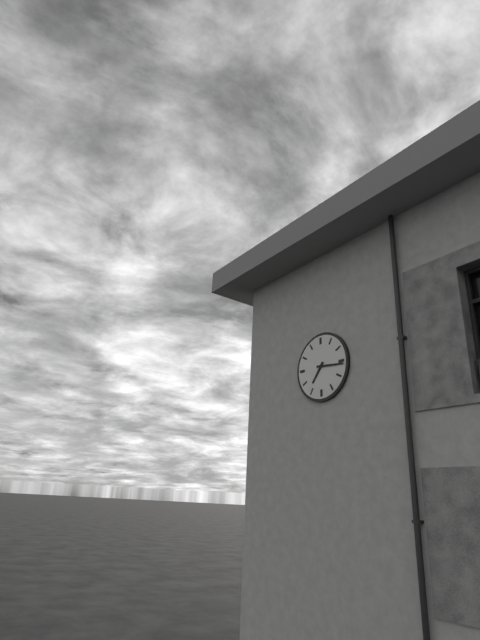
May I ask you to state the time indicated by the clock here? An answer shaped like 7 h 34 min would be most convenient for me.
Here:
7 h 16 min
